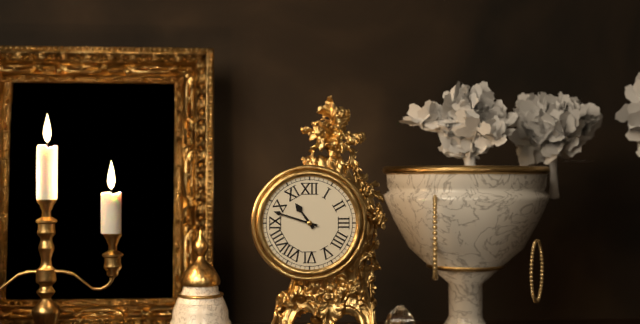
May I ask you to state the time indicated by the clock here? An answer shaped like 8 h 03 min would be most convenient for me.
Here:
10 h 48 min
